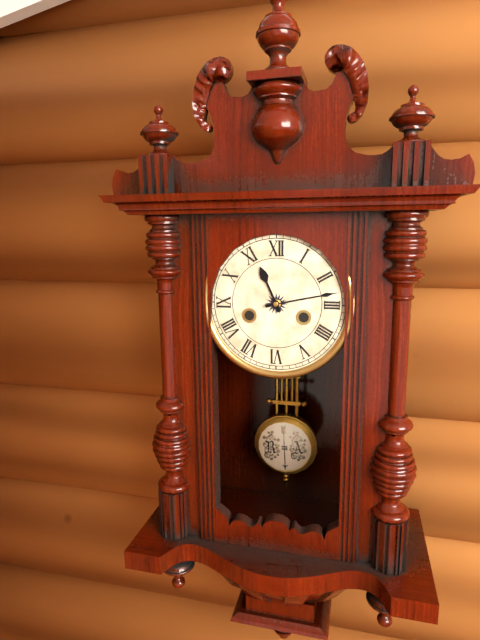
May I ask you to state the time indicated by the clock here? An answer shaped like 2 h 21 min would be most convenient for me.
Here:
11 h 13 min
